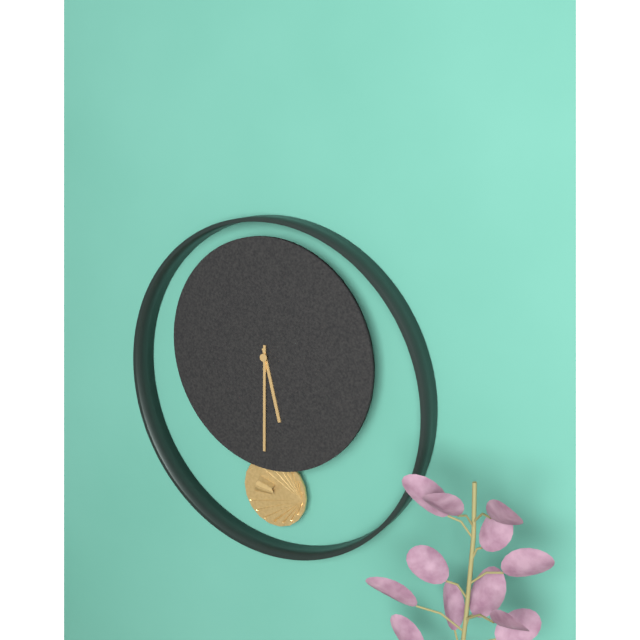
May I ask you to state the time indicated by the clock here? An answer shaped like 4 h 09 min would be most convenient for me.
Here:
5 h 30 min
